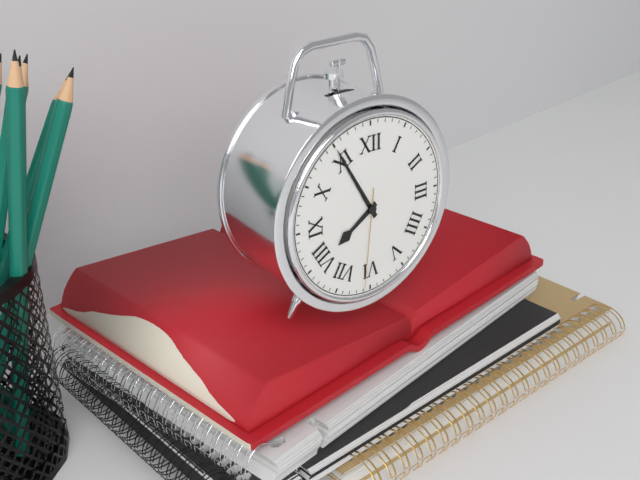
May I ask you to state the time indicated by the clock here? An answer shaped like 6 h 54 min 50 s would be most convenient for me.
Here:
7 h 55 min 31 s
